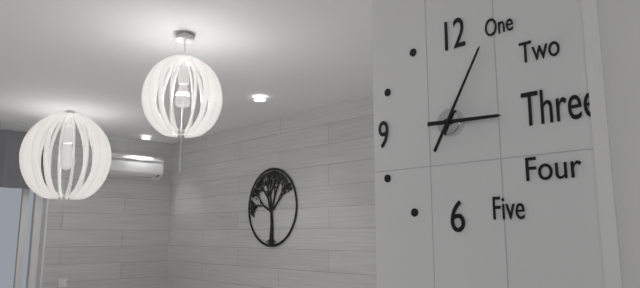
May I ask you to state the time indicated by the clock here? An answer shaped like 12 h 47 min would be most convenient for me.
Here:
3 h 05 min
